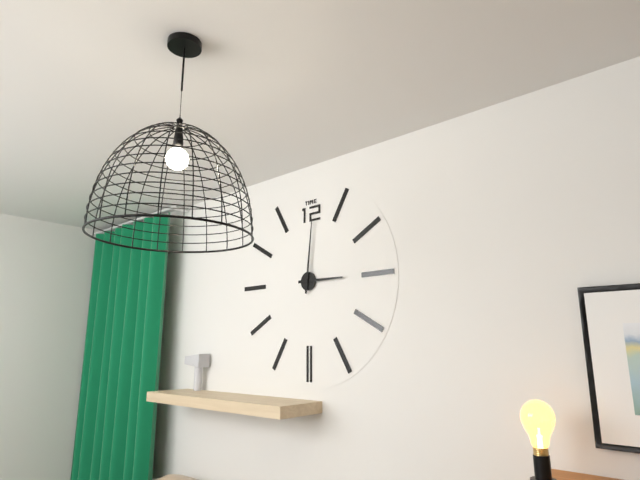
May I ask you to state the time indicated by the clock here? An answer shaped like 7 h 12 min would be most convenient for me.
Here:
3 h 01 min
